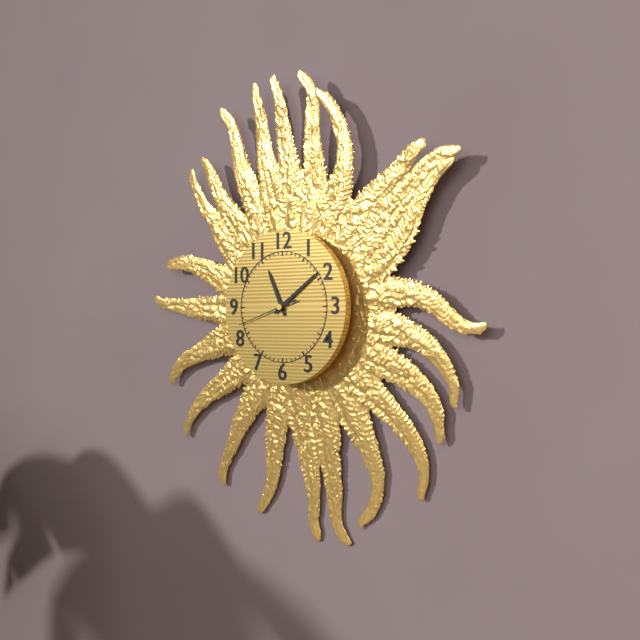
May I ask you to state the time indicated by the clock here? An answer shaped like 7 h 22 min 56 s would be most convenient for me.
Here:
11 h 09 min 42 s
